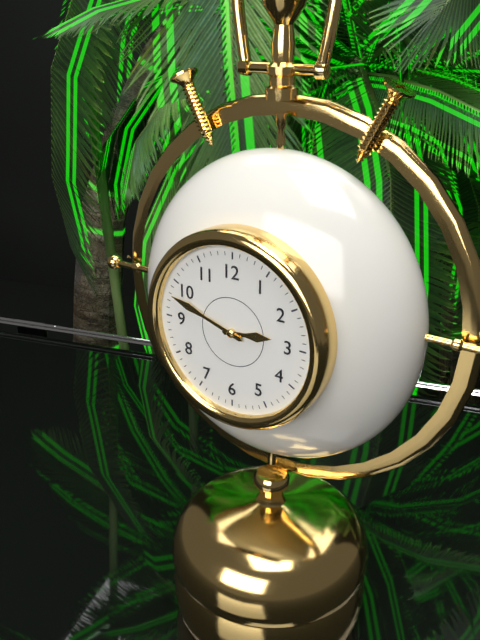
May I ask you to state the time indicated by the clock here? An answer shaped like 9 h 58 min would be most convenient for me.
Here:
2 h 48 min
